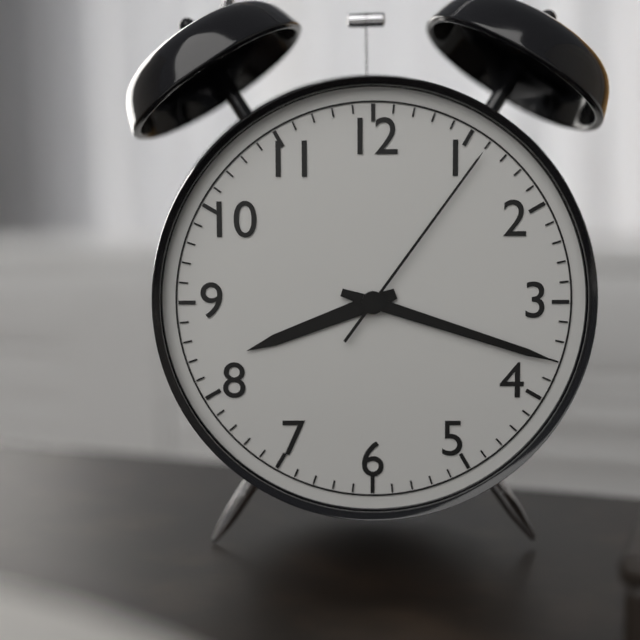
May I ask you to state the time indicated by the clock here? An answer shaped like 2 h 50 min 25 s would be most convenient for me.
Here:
8 h 18 min 06 s
